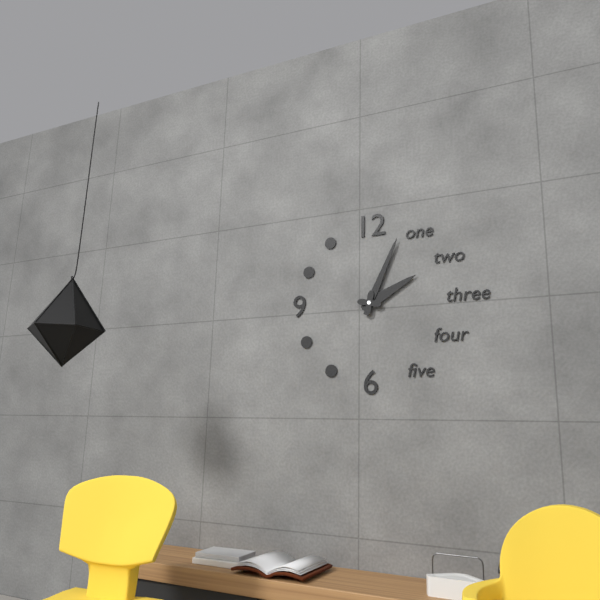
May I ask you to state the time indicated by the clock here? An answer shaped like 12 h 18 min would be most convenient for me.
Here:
2 h 04 min
